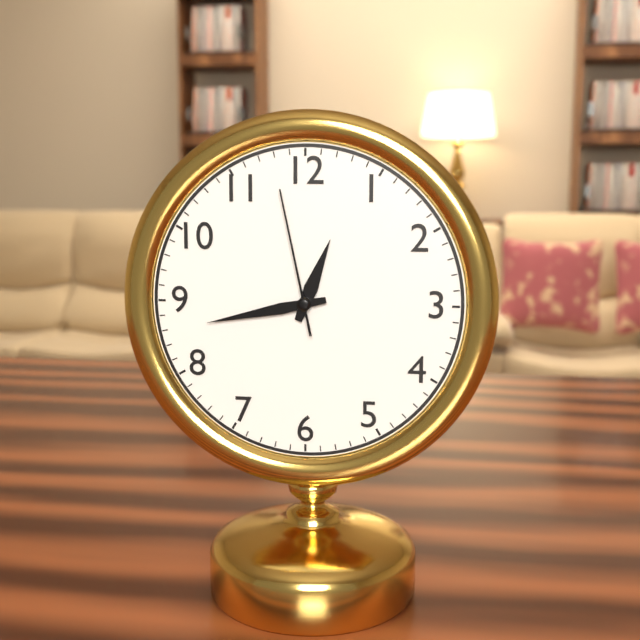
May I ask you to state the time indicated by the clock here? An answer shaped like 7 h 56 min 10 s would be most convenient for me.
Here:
12 h 43 min 58 s
